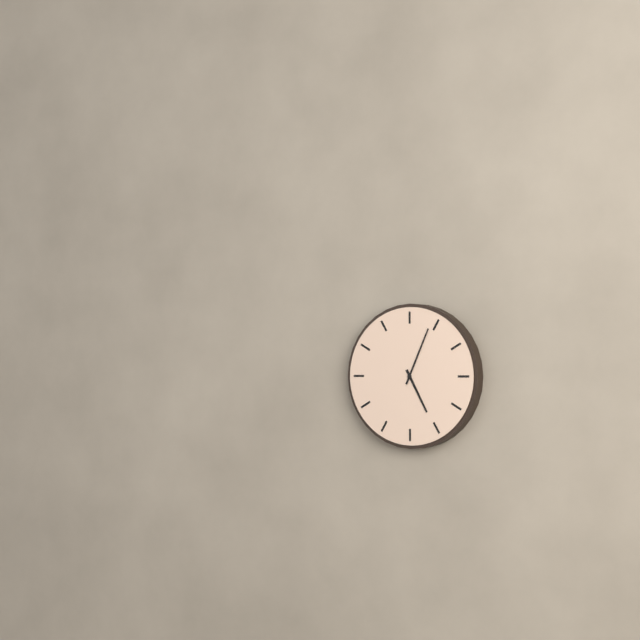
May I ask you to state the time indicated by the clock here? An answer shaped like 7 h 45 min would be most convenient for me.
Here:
5 h 04 min
